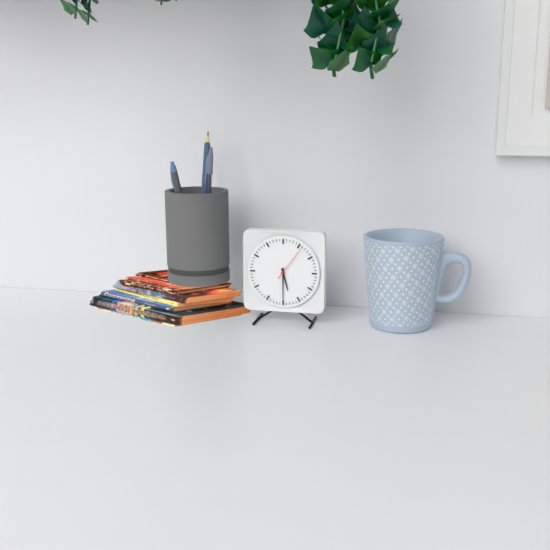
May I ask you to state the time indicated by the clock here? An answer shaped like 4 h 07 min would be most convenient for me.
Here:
5 h 30 min
